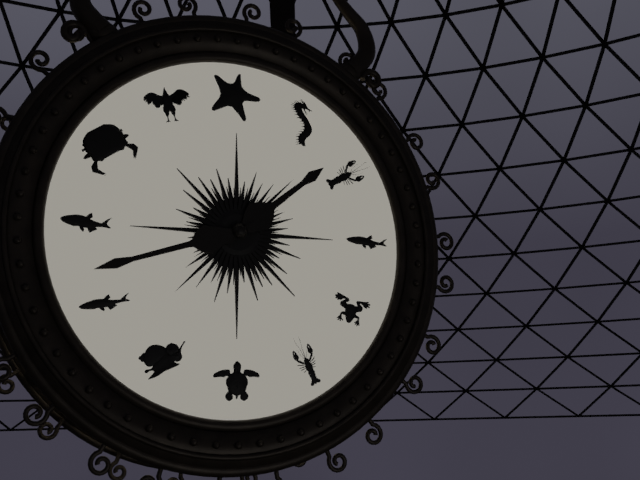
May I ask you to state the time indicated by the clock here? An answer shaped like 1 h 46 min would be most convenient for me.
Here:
1 h 42 min
